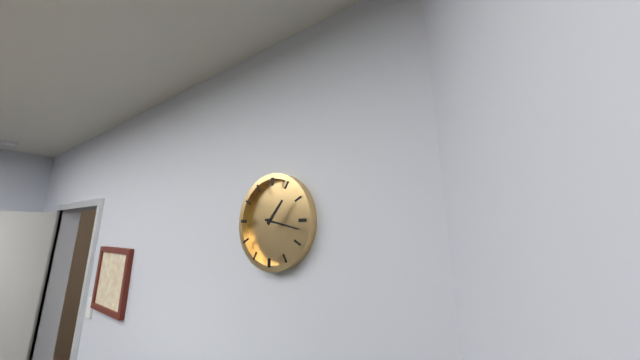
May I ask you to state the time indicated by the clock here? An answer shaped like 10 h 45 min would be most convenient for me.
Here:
1 h 17 min
